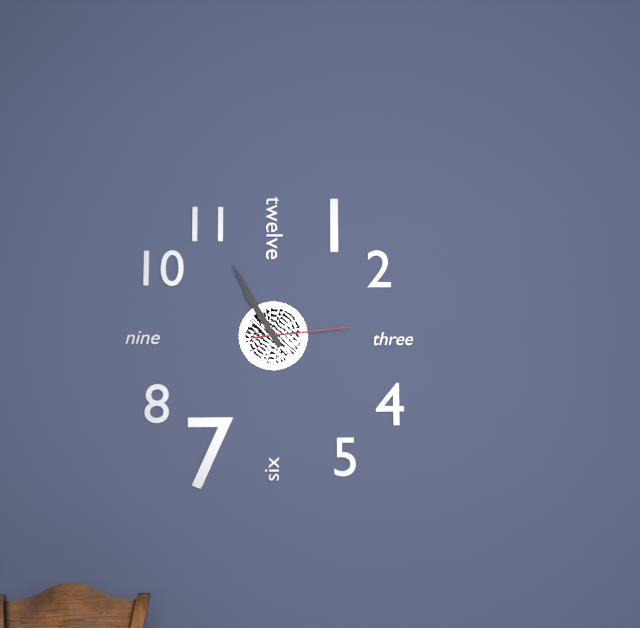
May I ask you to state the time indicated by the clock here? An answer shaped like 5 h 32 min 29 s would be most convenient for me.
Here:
10 h 55 min 14 s
